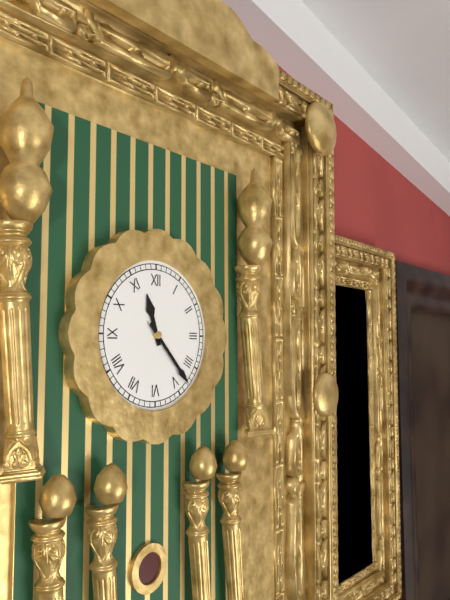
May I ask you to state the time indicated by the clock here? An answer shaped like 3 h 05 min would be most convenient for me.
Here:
11 h 23 min
